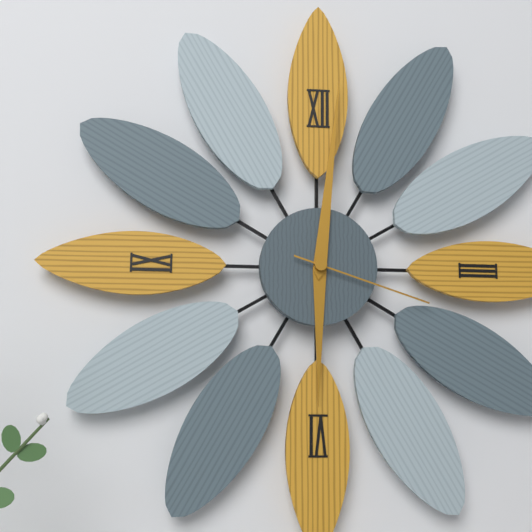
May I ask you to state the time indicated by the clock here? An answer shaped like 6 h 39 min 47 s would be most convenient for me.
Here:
6 h 01 min 18 s
